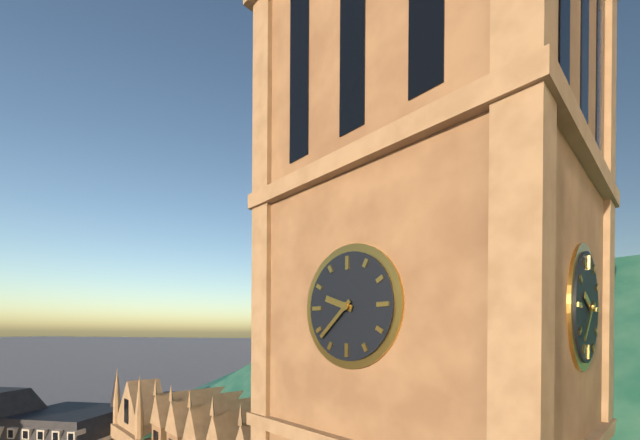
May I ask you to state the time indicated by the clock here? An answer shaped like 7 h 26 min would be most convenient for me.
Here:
9 h 38 min
